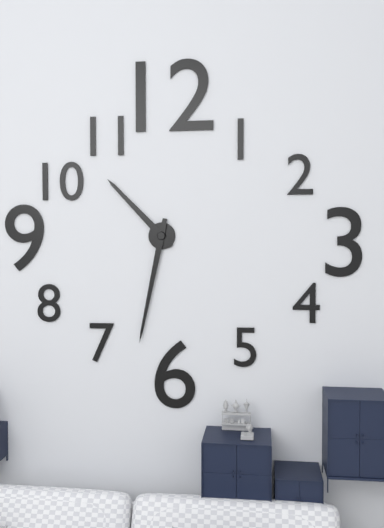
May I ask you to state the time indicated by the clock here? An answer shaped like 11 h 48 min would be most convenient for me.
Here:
10 h 32 min
